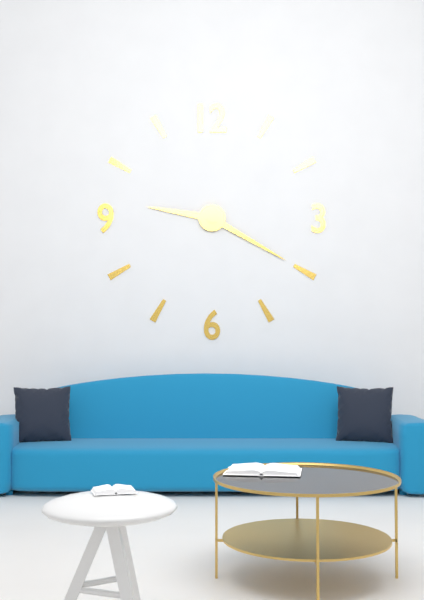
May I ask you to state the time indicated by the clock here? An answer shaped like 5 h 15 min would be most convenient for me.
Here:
9 h 20 min
